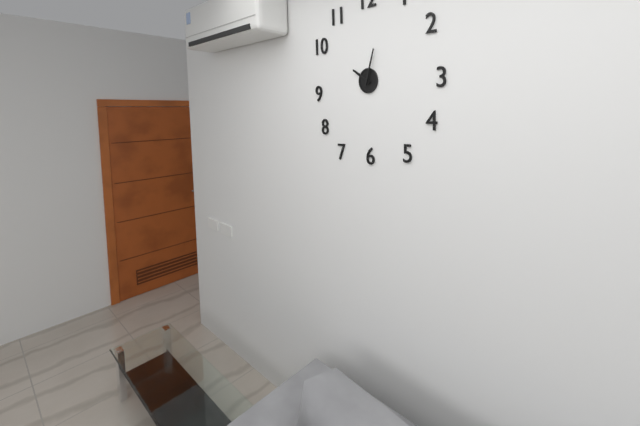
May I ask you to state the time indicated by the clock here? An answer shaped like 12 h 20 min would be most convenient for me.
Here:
10 h 03 min
